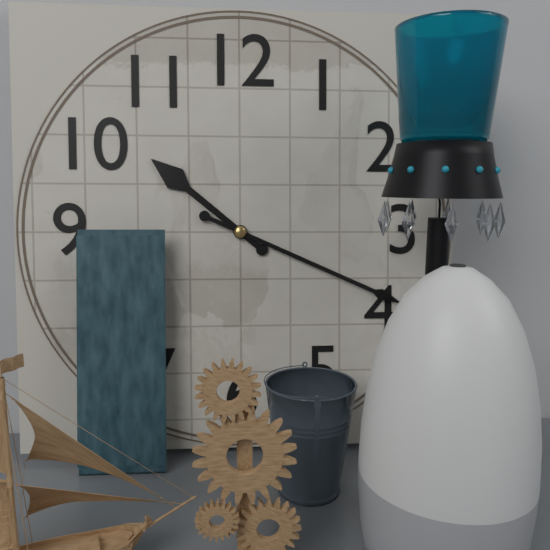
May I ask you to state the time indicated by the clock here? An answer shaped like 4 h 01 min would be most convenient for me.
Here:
10 h 19 min
